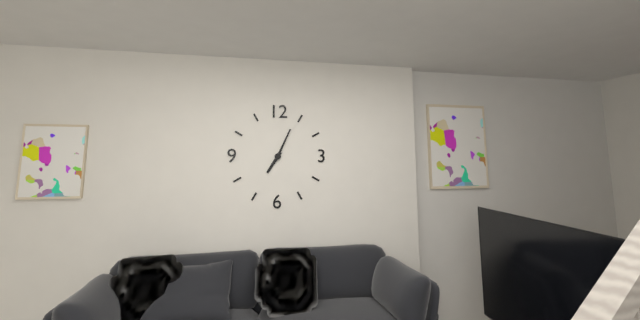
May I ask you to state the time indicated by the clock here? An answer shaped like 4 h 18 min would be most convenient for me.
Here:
7 h 04 min
